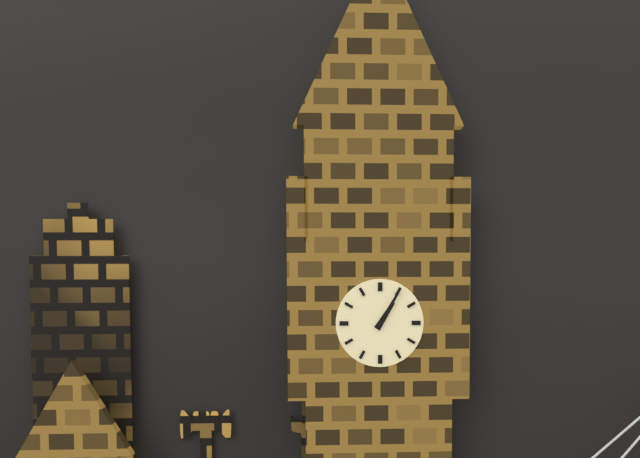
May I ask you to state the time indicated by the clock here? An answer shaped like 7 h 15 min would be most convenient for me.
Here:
1 h 05 min
